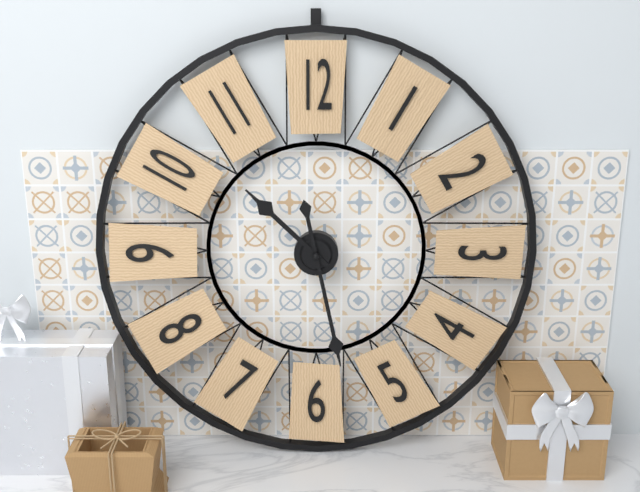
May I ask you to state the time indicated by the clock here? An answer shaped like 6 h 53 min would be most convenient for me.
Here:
10 h 28 min
